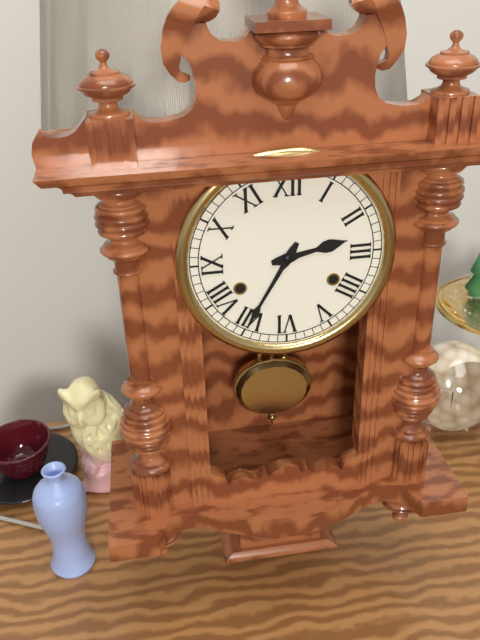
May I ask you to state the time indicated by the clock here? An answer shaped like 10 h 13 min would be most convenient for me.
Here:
2 h 35 min
